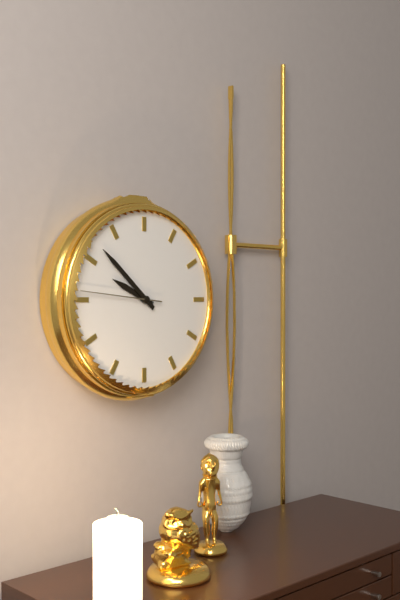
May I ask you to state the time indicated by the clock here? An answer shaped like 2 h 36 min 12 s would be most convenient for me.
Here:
9 h 52 min 46 s
